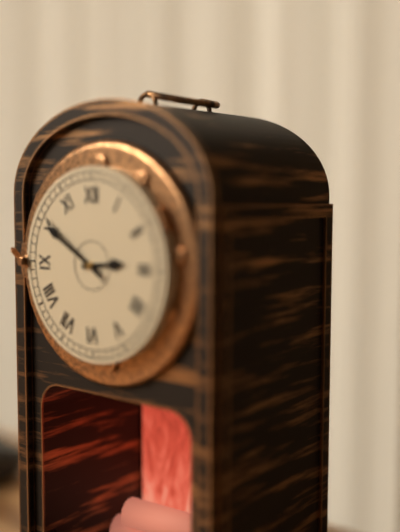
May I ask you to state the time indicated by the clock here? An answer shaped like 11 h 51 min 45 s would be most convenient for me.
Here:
2 h 50 min 51 s
